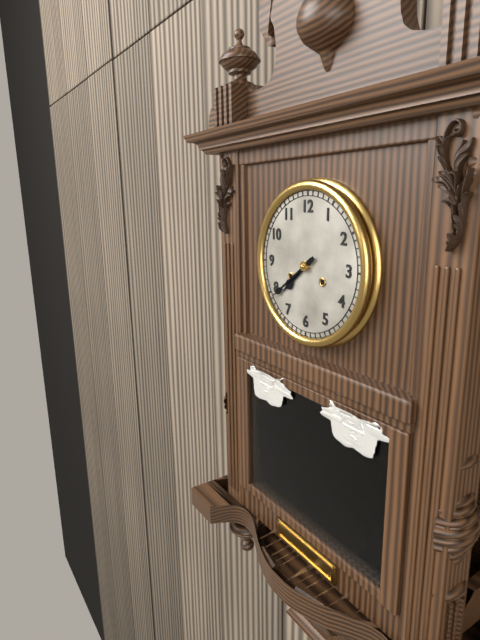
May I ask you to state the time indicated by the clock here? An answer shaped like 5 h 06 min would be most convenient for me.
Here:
7 h 39 min
